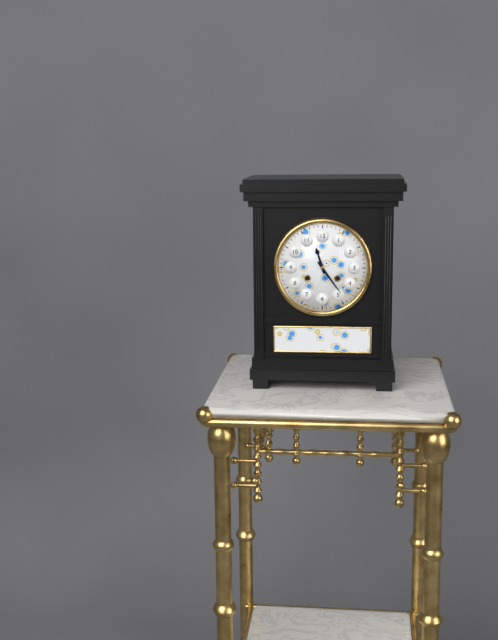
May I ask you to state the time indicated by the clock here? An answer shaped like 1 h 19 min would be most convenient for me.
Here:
11 h 24 min
